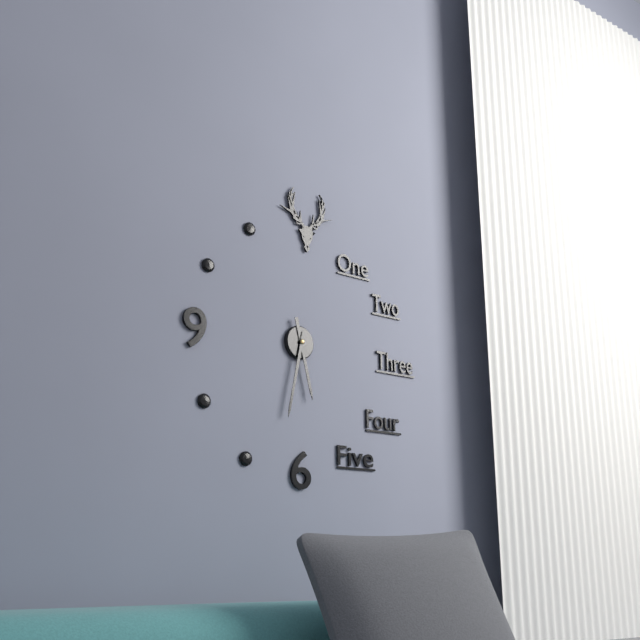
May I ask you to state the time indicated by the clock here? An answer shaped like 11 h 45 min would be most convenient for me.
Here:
5 h 32 min
